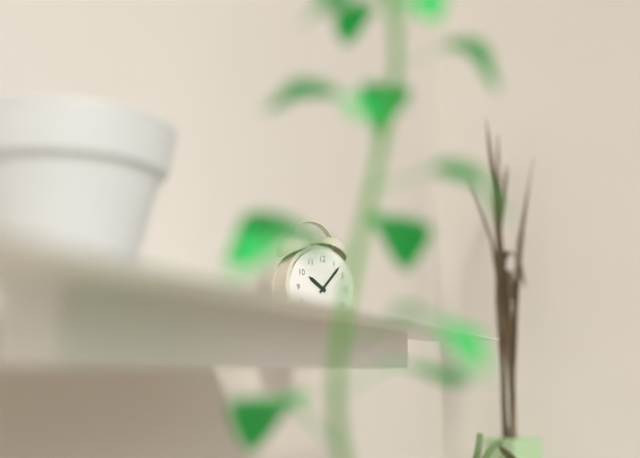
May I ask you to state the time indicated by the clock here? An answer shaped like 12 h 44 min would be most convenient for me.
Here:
10 h 07 min
